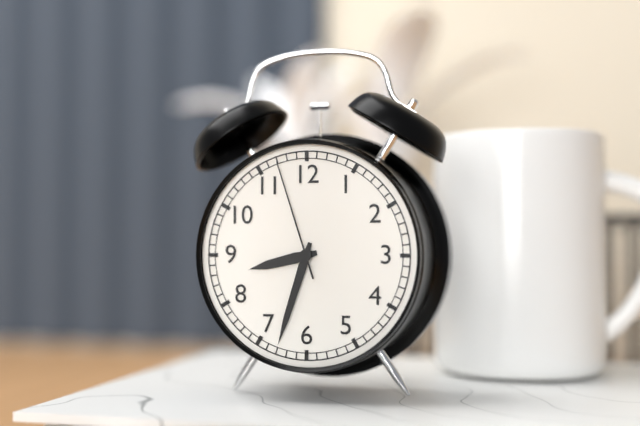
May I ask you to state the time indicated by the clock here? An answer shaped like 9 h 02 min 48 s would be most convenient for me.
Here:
8 h 33 min 57 s
